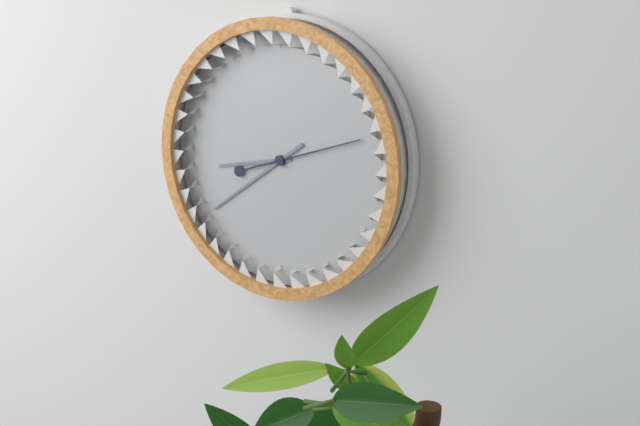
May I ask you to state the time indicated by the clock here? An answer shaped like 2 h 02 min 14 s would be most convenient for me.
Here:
8 h 39 min 12 s
